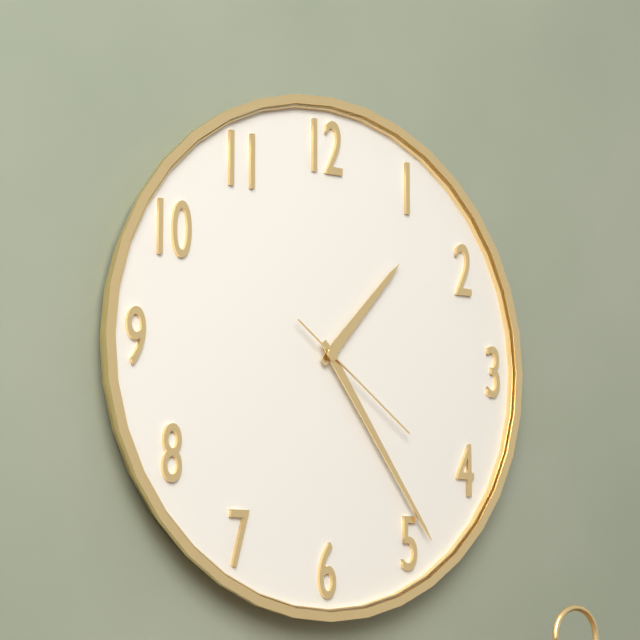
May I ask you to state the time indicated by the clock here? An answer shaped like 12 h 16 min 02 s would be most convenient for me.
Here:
1 h 24 min 21 s
